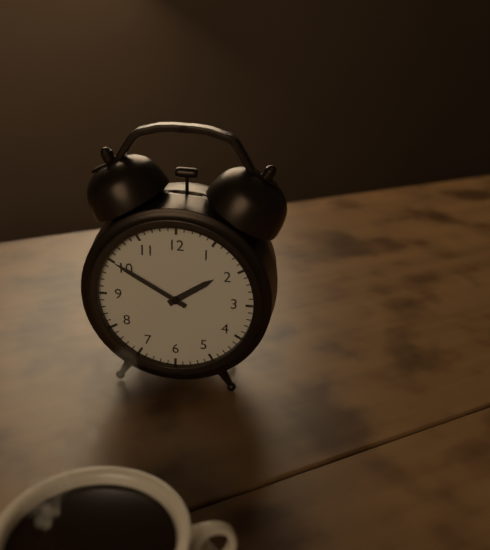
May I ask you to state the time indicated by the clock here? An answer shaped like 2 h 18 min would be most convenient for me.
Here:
1 h 50 min
